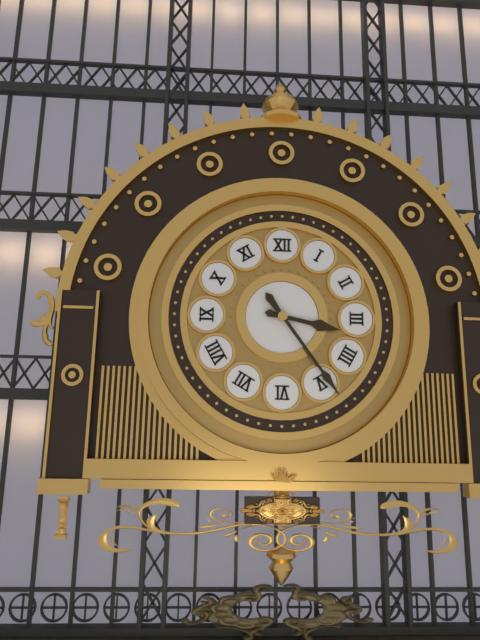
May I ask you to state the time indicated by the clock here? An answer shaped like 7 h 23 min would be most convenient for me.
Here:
3 h 24 min
